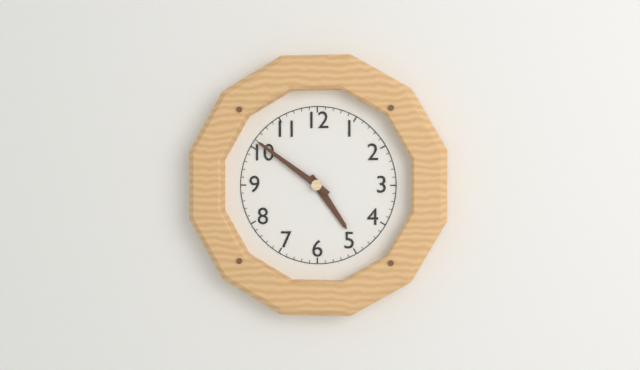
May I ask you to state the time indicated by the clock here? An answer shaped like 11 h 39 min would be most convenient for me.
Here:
4 h 51 min
